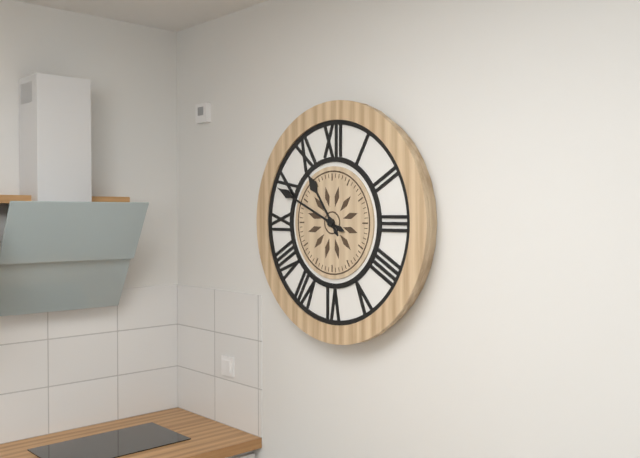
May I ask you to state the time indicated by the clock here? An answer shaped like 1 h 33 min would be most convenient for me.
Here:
10 h 49 min
